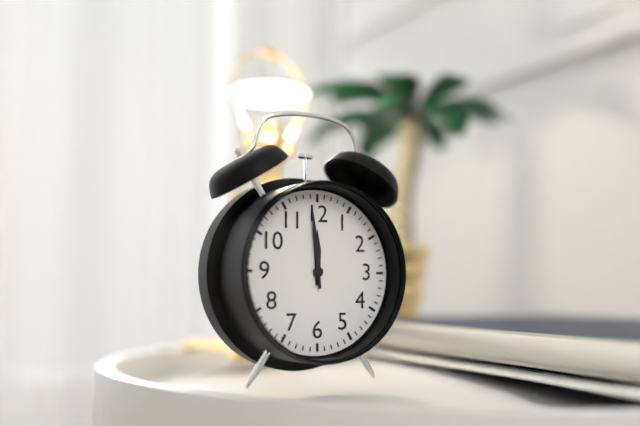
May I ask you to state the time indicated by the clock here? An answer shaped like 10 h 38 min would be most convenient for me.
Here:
11 h 59 min
